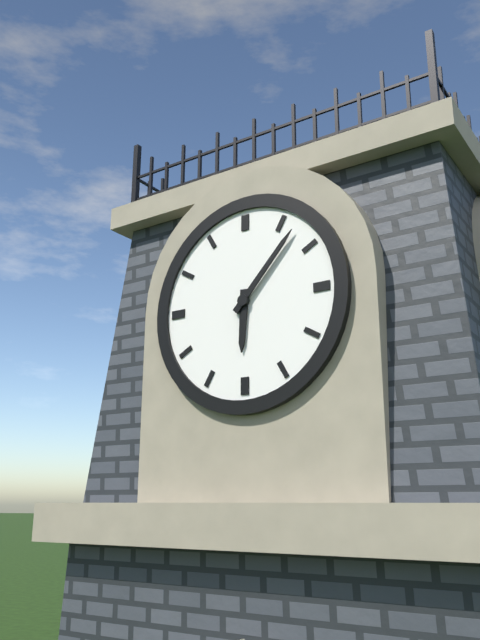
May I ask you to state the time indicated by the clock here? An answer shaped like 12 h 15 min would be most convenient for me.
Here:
6 h 07 min
